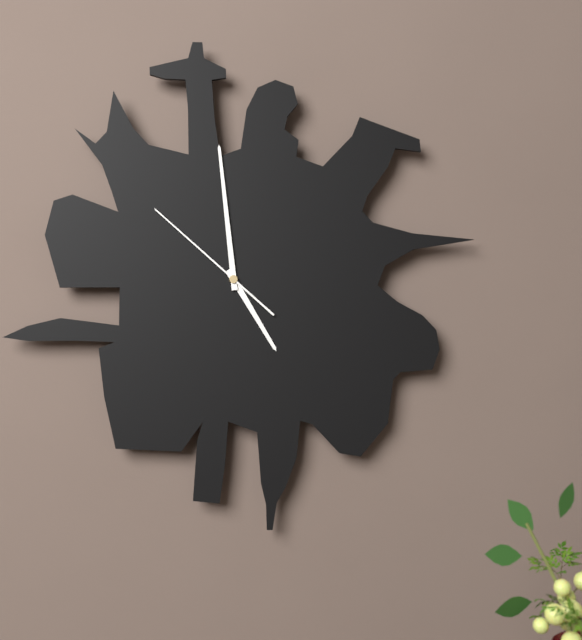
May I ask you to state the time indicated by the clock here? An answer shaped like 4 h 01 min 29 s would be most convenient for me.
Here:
4 h 59 min 52 s
